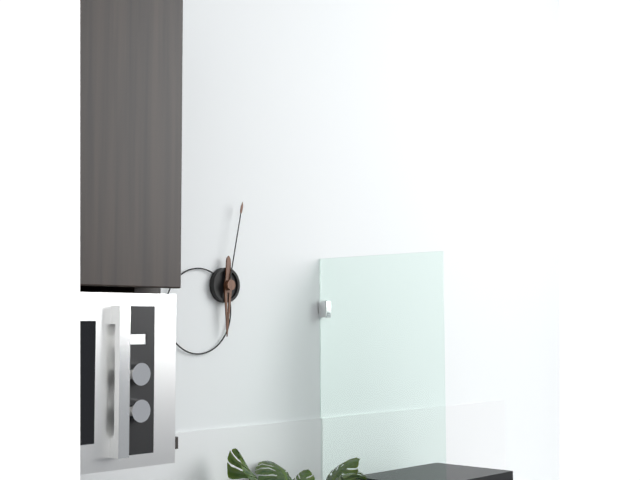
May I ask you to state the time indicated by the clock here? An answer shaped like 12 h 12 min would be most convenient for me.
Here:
6 h 02 min
